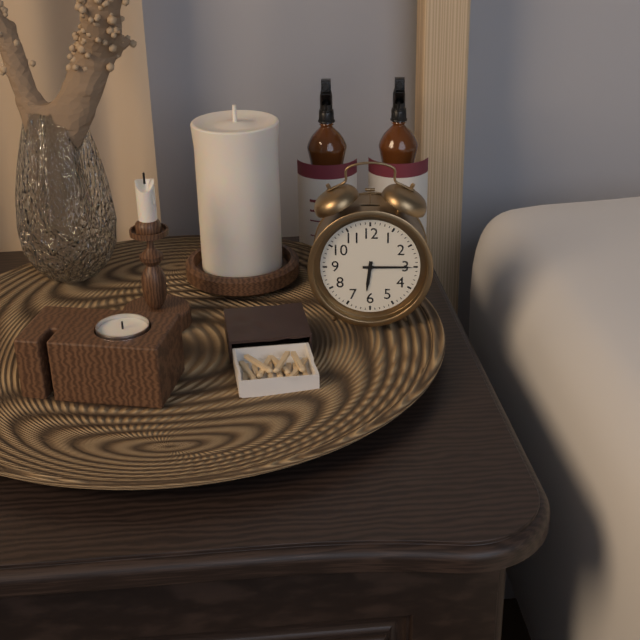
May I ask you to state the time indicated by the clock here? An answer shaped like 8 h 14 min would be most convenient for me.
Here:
6 h 15 min
